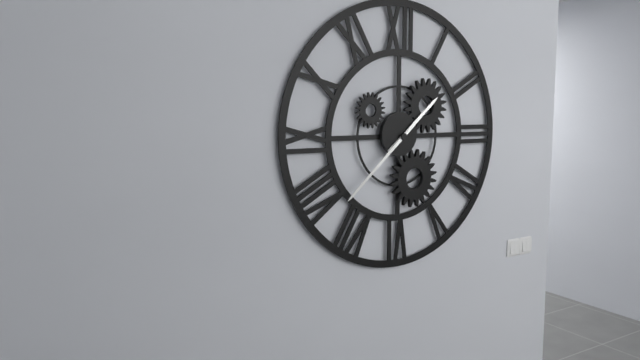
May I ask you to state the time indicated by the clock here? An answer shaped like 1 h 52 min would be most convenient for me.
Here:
1 h 38 min
